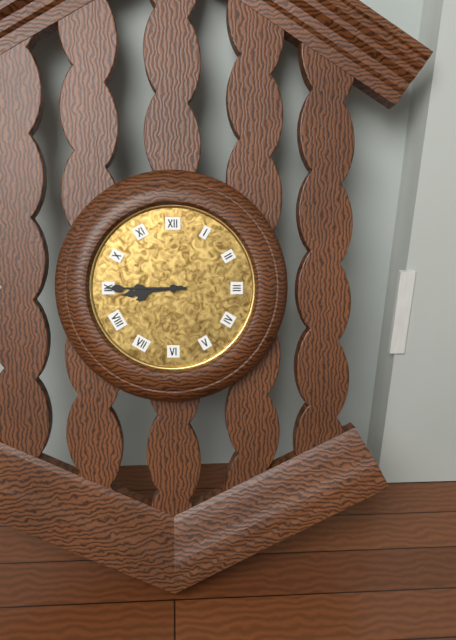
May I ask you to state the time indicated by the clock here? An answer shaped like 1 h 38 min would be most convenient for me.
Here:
8 h 45 min
